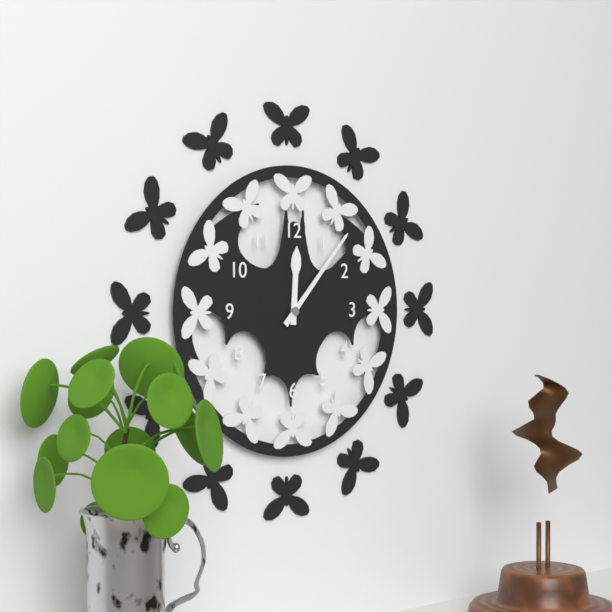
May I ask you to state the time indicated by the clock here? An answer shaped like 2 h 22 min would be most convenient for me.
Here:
12 h 07 min
